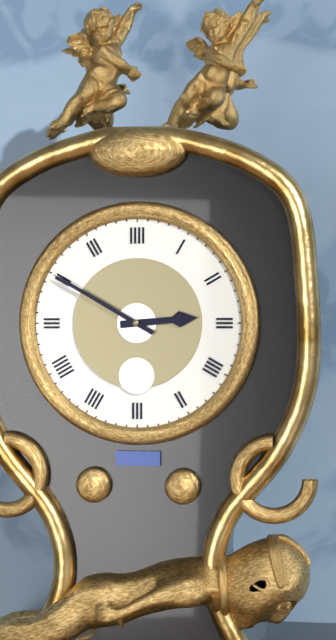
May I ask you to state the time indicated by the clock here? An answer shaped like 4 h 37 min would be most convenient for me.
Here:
2 h 50 min
